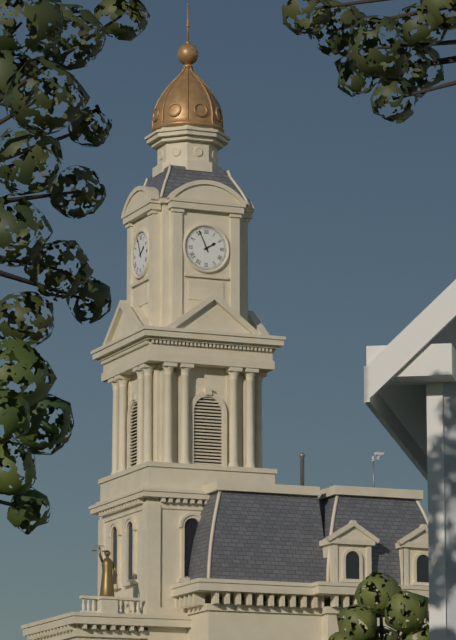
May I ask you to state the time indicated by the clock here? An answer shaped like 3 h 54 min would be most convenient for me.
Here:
1 h 56 min
